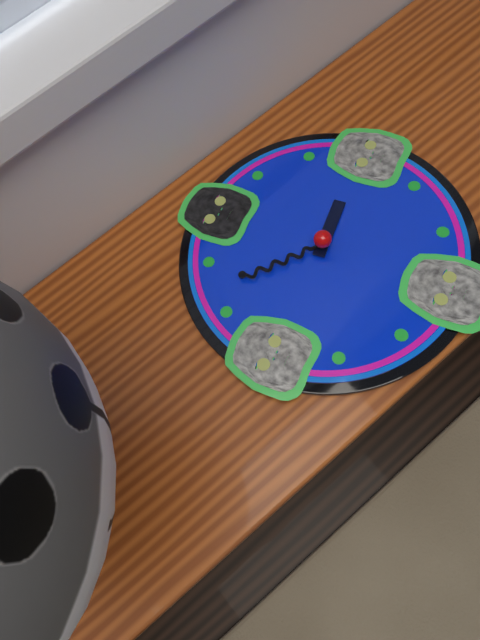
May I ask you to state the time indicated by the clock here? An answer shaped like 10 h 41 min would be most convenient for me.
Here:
2 h 52 min
